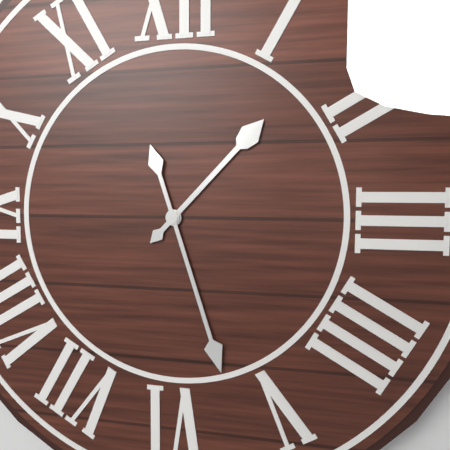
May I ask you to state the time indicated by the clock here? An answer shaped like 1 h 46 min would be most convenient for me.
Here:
1 h 27 min
